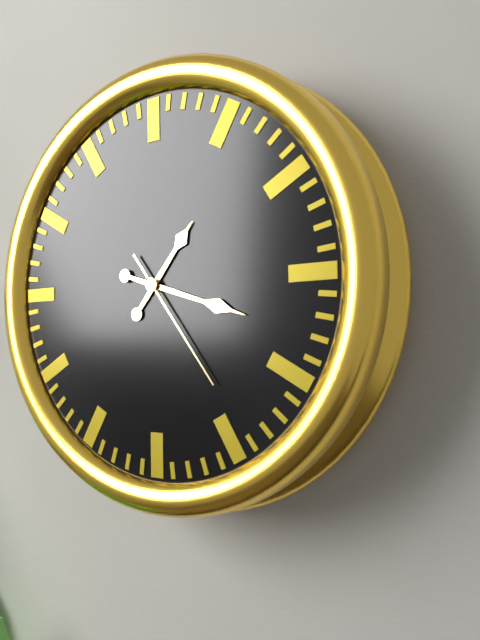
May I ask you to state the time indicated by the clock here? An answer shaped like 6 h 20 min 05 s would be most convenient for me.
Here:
1 h 18 min 24 s
